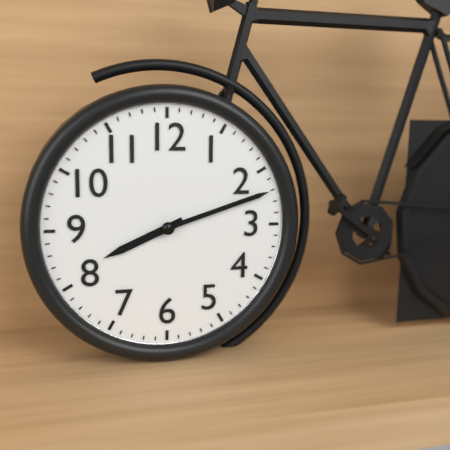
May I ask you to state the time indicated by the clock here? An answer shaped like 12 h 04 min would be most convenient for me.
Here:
8 h 12 min
